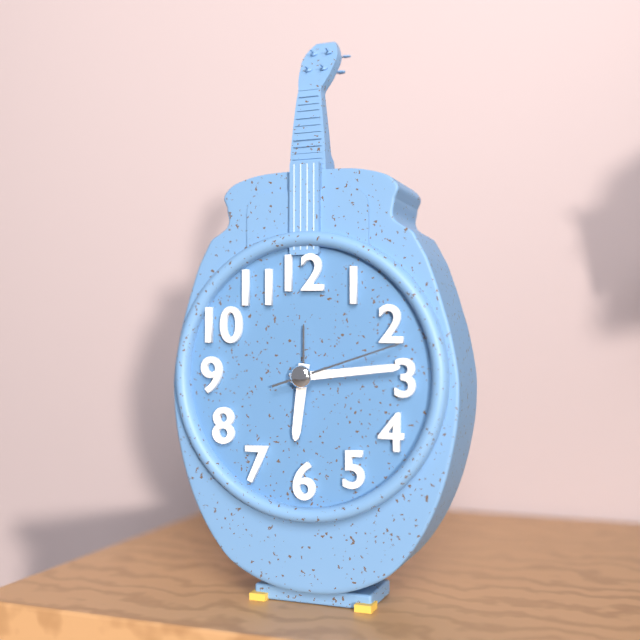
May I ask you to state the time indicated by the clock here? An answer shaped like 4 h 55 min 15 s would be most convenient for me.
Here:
6 h 14 min 12 s
